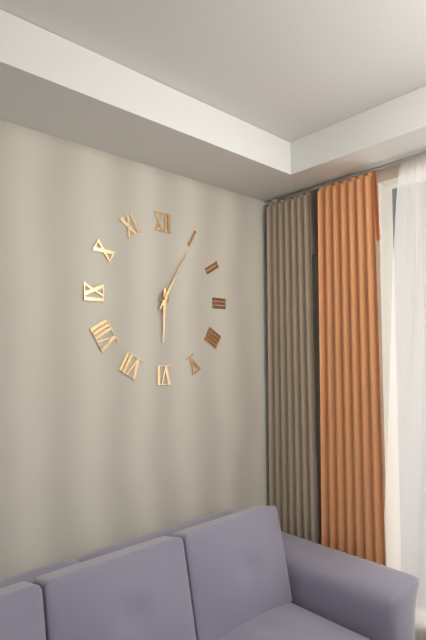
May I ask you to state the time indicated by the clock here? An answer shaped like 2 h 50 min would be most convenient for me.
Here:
6 h 05 min
